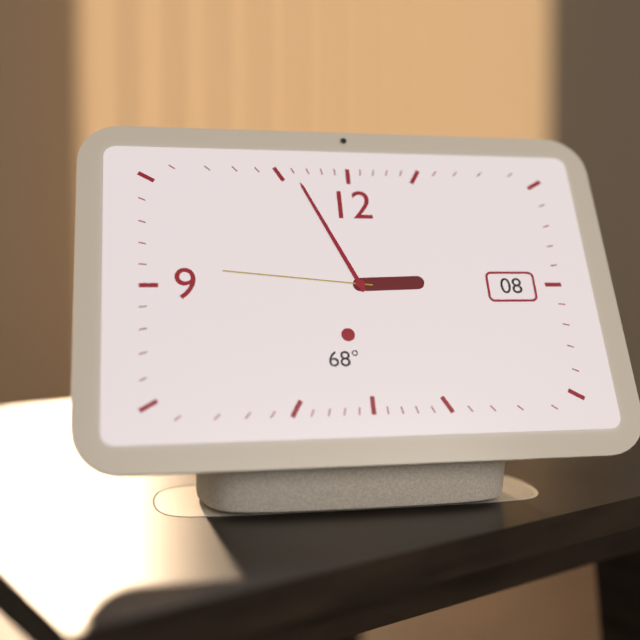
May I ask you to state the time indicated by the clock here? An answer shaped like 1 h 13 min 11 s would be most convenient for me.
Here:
2 h 56 min 46 s
